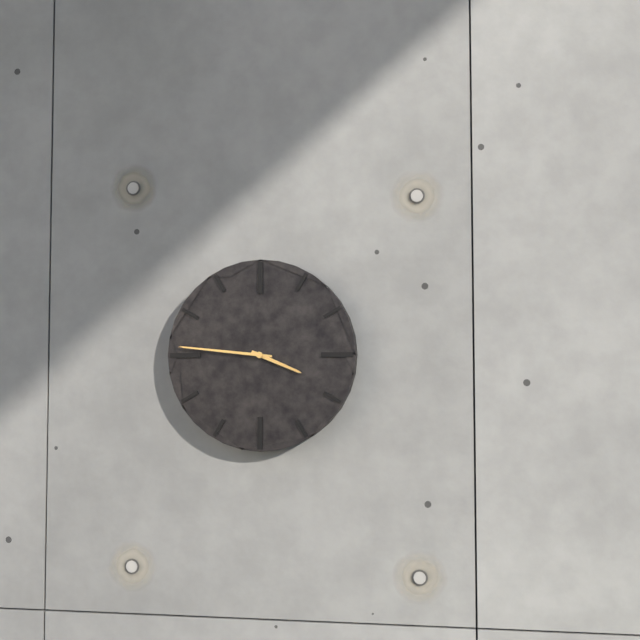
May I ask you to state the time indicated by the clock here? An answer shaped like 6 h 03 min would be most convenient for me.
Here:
3 h 46 min
